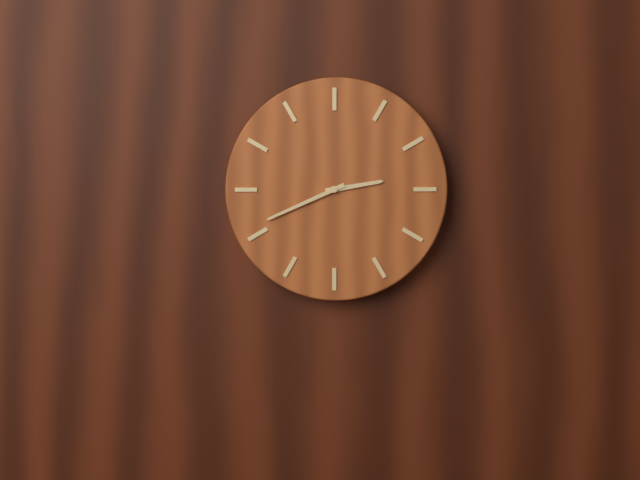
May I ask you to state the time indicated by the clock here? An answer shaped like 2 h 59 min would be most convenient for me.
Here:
2 h 41 min
